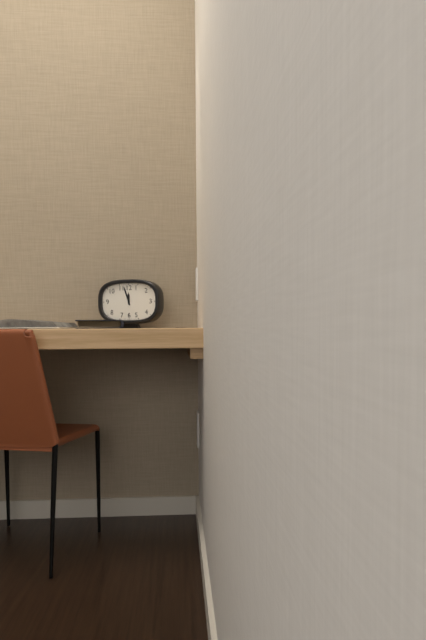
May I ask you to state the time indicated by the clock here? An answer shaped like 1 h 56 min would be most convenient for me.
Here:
11 h 57 min
